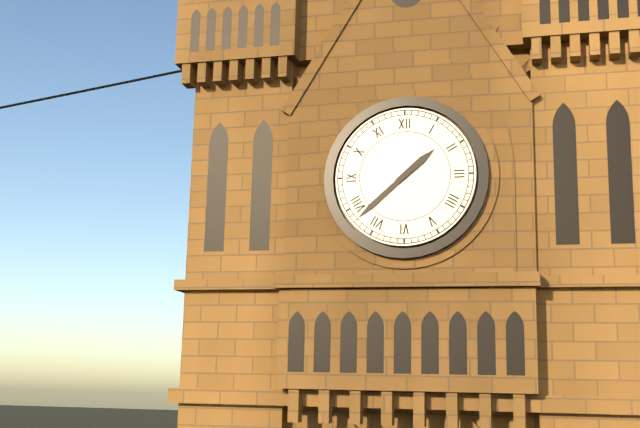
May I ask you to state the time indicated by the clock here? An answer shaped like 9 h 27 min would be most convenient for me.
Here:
1 h 38 min
